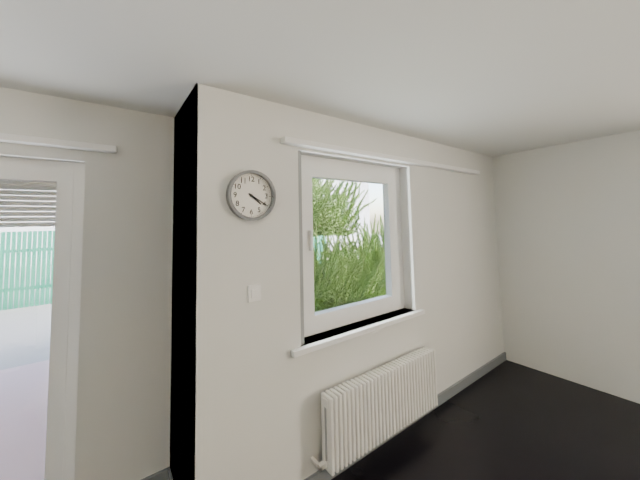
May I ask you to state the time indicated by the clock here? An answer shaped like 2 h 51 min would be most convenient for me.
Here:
4 h 20 min
